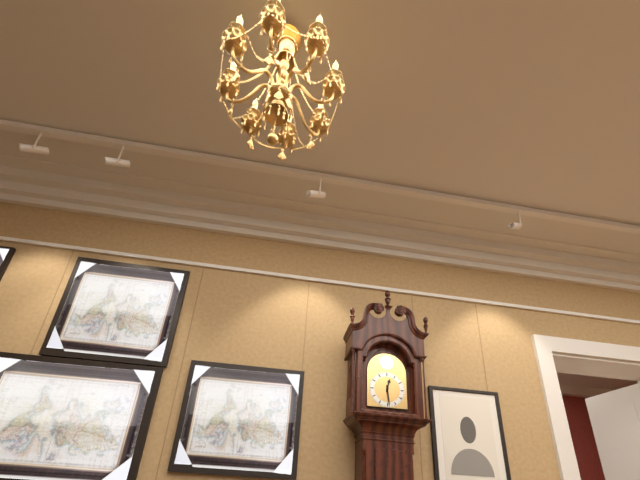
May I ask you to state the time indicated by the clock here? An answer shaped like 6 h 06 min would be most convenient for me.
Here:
12 h 29 min
